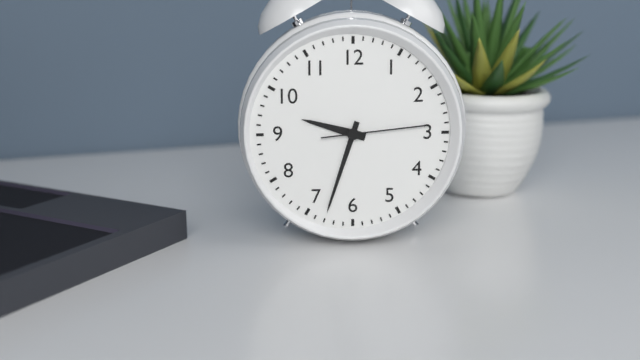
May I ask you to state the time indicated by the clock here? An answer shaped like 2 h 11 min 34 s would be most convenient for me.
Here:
9 h 33 min 14 s
